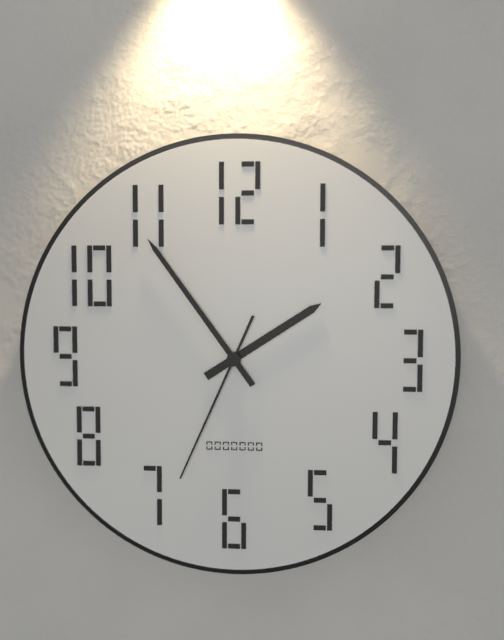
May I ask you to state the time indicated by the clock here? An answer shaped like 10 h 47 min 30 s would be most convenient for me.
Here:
1 h 54 min 34 s
